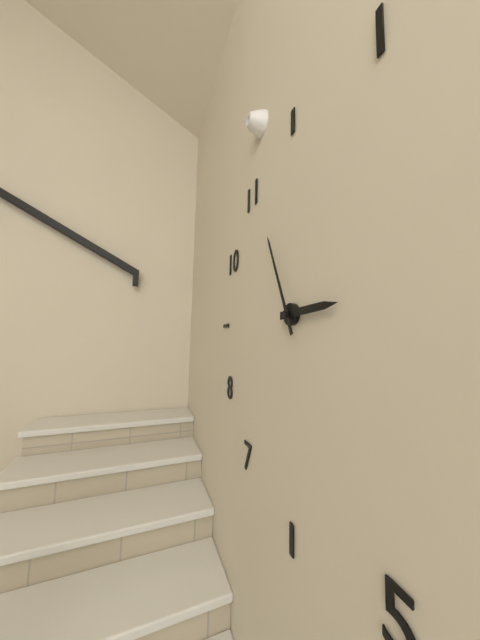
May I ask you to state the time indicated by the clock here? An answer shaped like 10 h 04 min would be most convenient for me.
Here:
2 h 56 min
